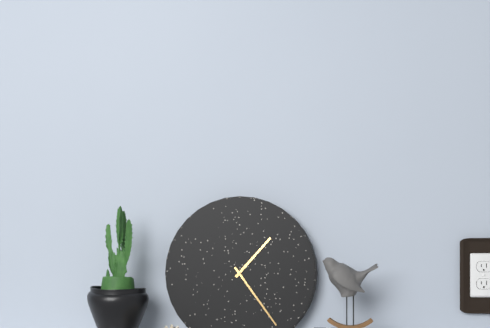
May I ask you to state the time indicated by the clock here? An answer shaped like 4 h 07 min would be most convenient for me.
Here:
1 h 24 min
